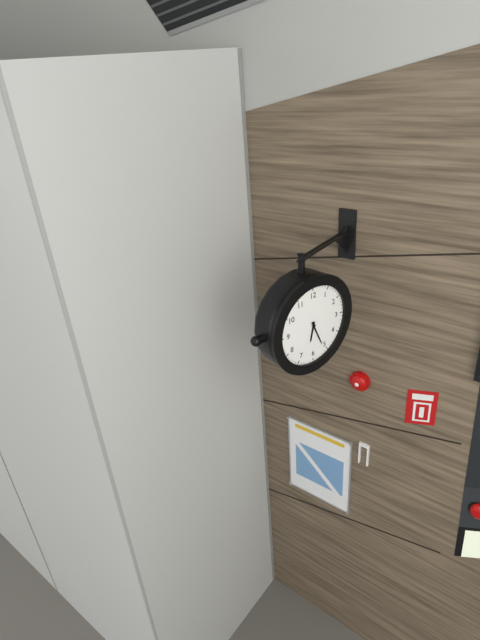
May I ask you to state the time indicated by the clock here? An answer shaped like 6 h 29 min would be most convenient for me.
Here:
6 h 26 min
